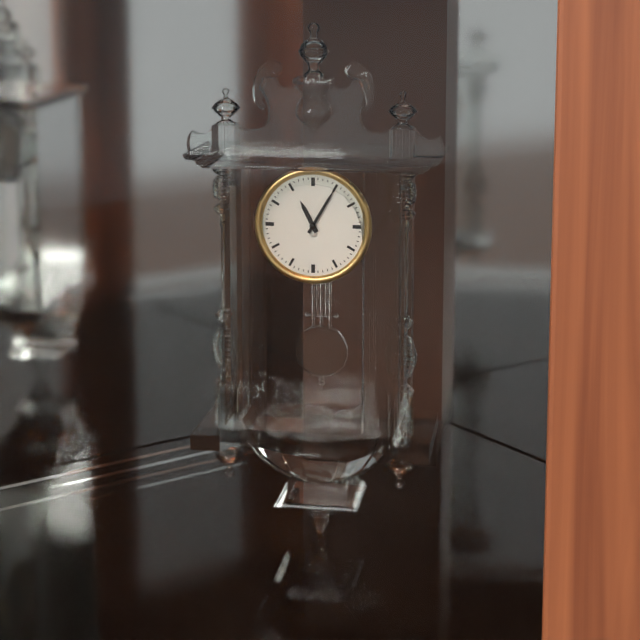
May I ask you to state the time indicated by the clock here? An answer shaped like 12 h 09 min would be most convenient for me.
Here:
11 h 05 min
